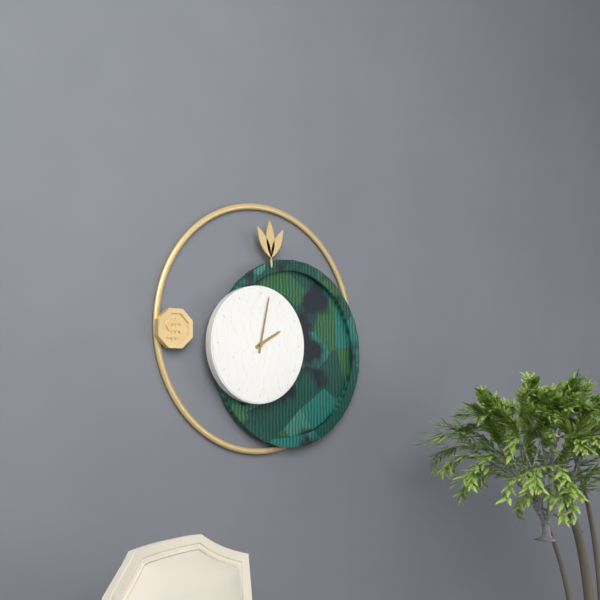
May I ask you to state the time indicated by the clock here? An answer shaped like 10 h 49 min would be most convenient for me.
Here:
2 h 02 min
